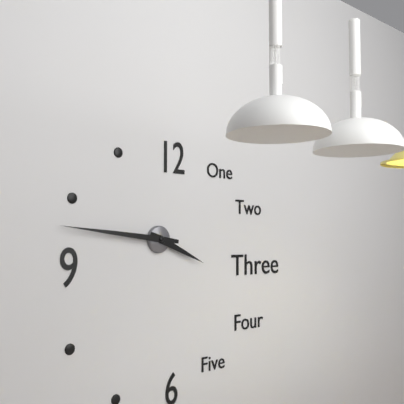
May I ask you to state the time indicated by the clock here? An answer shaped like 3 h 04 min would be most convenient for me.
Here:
3 h 46 min
